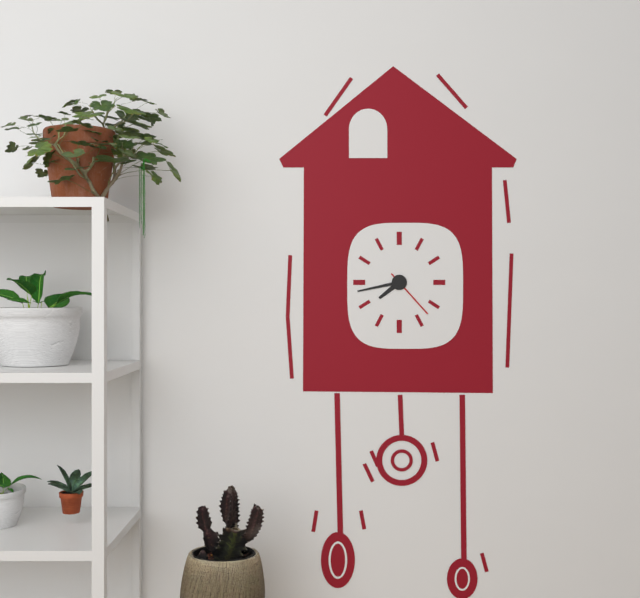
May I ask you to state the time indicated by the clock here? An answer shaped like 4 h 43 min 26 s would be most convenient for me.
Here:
7 h 43 min 23 s
